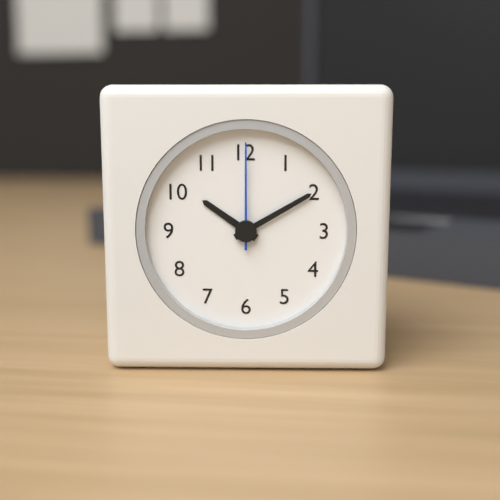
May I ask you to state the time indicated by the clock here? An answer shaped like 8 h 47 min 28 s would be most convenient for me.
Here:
10 h 10 min 00 s
